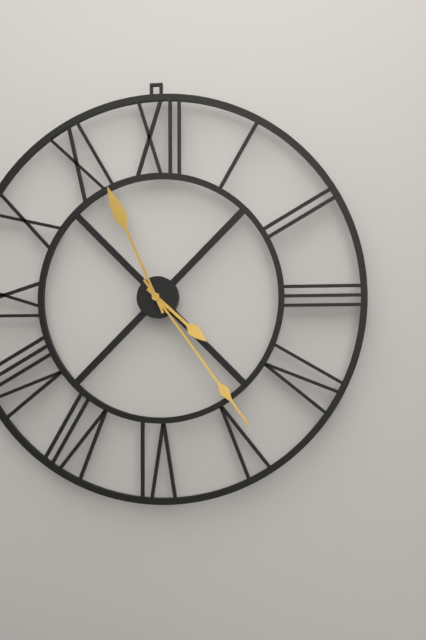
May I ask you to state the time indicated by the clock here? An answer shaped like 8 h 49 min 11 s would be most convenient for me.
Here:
4 h 24 min 56 s
